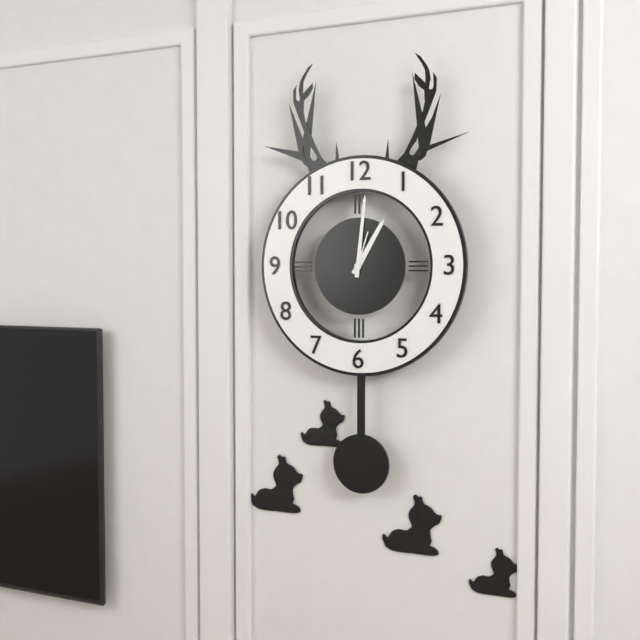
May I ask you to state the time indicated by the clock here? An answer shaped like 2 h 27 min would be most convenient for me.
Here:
1 h 01 min
